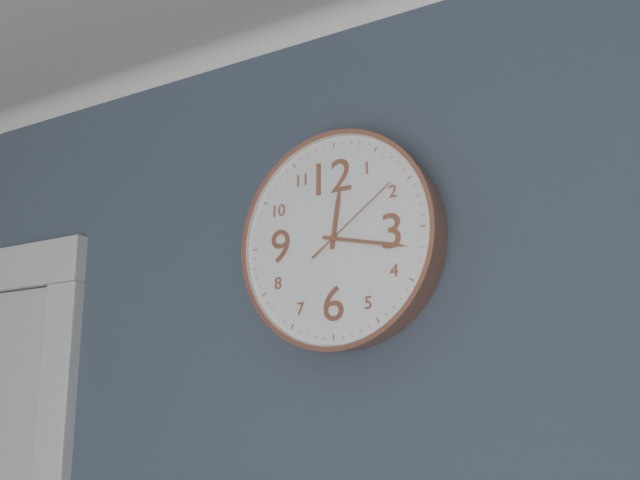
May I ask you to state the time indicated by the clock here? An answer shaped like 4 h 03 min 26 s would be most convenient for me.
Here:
12 h 17 min 09 s
